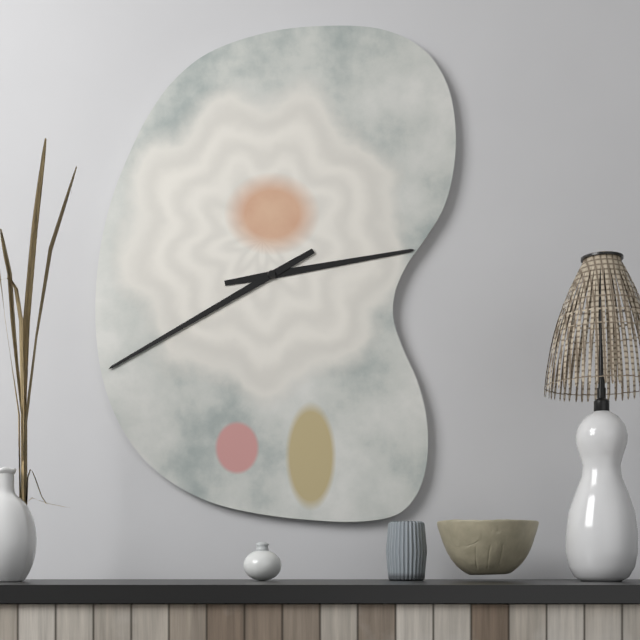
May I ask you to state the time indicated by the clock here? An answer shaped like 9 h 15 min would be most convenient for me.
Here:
2 h 40 min
